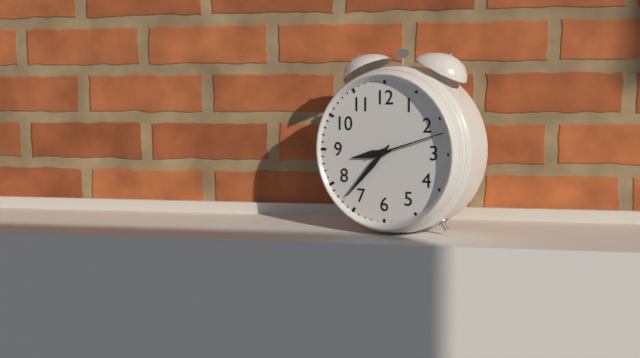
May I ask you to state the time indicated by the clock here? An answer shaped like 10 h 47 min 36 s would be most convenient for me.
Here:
8 h 37 min 12 s
